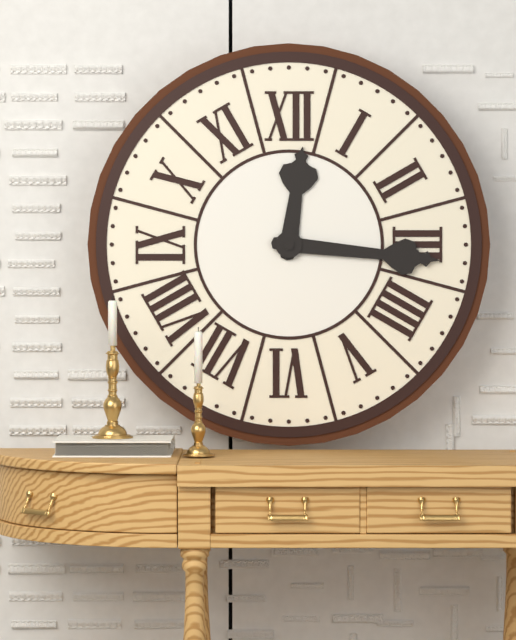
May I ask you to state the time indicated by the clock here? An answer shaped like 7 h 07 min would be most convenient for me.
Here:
12 h 16 min
